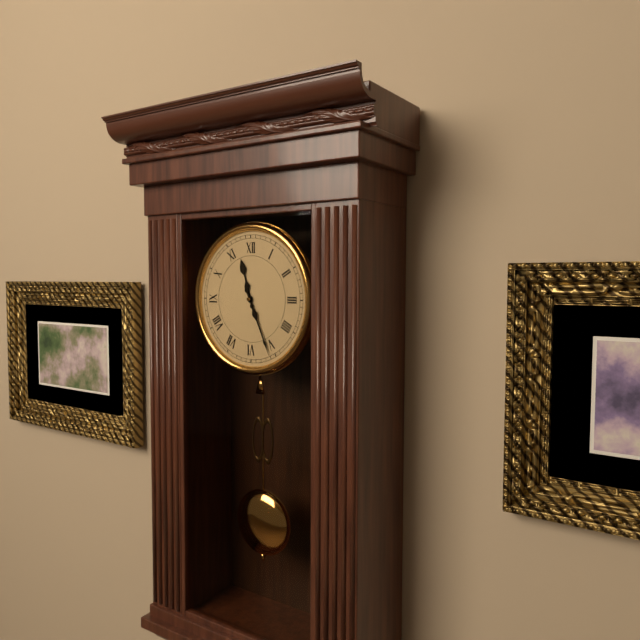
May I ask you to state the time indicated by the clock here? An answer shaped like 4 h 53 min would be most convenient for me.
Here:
11 h 26 min
